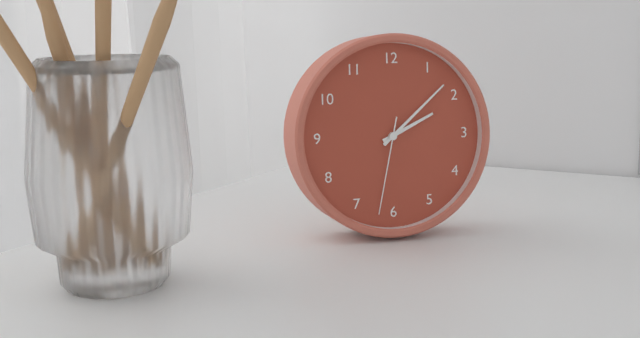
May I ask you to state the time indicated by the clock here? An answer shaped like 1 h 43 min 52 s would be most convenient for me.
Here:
2 h 08 min 32 s
